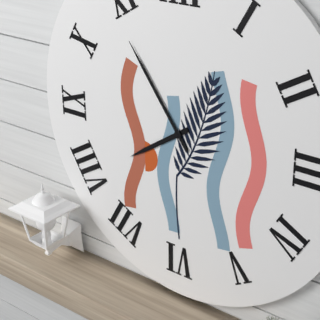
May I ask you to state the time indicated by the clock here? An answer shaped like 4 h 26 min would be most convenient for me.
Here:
7 h 54 min
